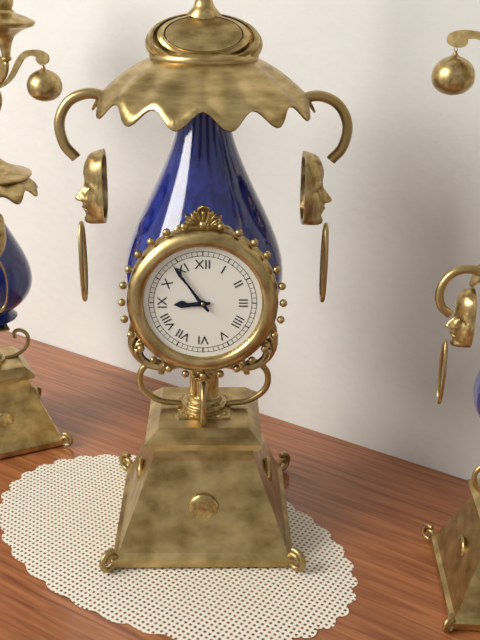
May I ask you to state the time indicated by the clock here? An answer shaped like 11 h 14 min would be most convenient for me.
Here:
8 h 54 min
